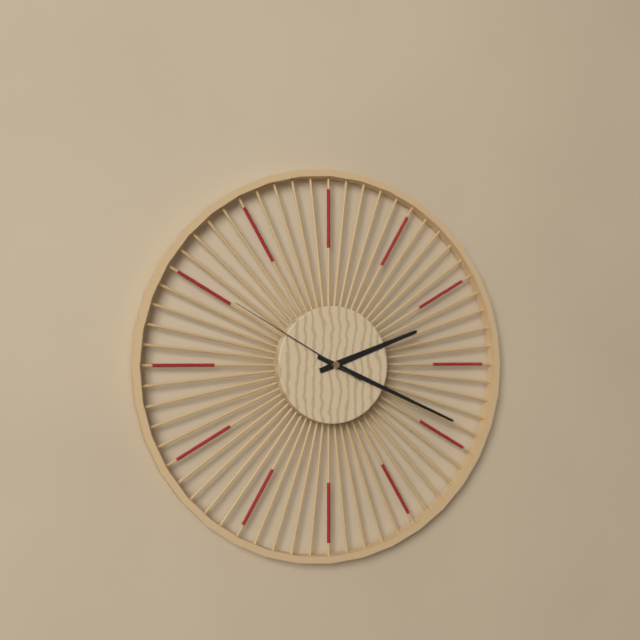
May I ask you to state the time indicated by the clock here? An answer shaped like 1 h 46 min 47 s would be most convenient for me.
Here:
2 h 19 min 50 s
